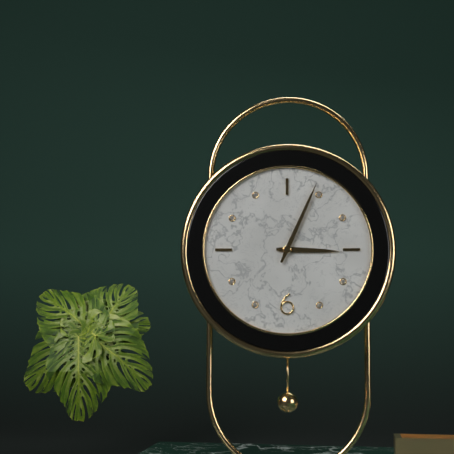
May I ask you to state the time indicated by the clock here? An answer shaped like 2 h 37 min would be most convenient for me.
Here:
3 h 04 min
